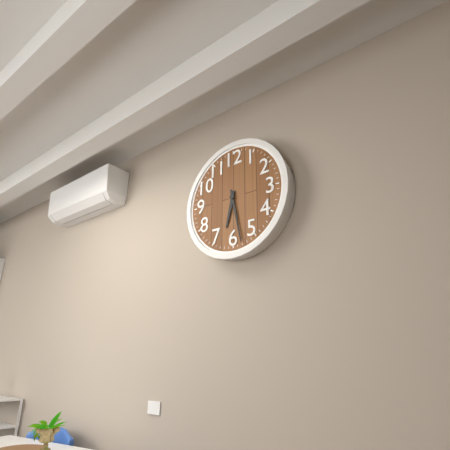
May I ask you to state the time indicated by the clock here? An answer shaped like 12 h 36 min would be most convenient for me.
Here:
6 h 28 min
